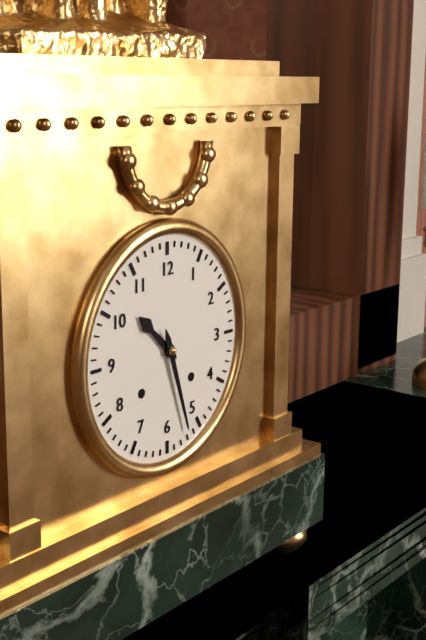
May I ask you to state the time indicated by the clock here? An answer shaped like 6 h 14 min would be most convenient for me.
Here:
10 h 27 min
